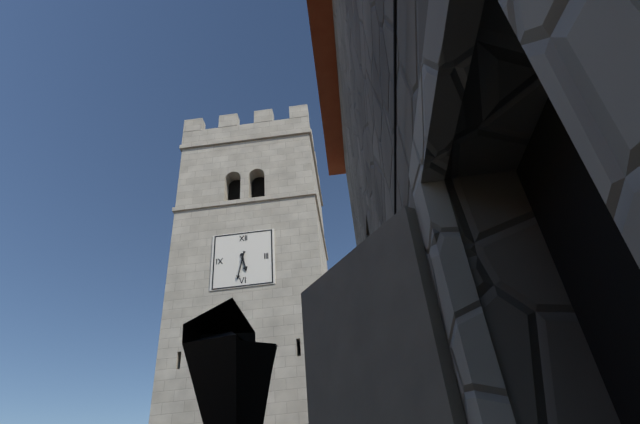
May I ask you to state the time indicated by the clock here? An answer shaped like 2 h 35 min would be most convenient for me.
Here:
5 h 32 min
